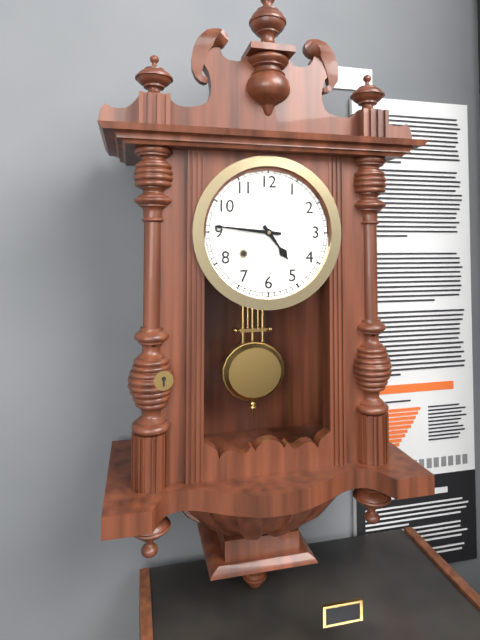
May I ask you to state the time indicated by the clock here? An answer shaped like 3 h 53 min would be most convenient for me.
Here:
4 h 46 min
